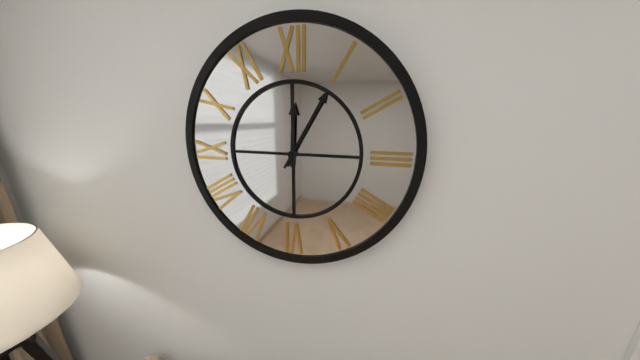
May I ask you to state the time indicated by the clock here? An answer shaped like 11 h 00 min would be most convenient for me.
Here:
12 h 05 min
